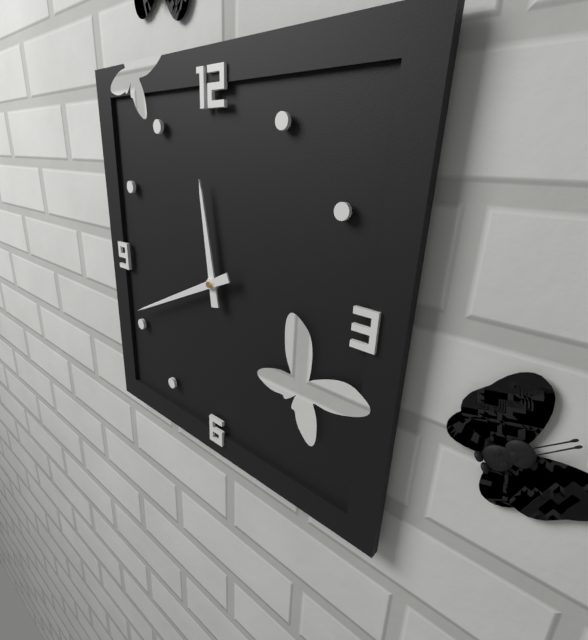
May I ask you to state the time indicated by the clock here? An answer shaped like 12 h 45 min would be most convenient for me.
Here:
11 h 41 min
